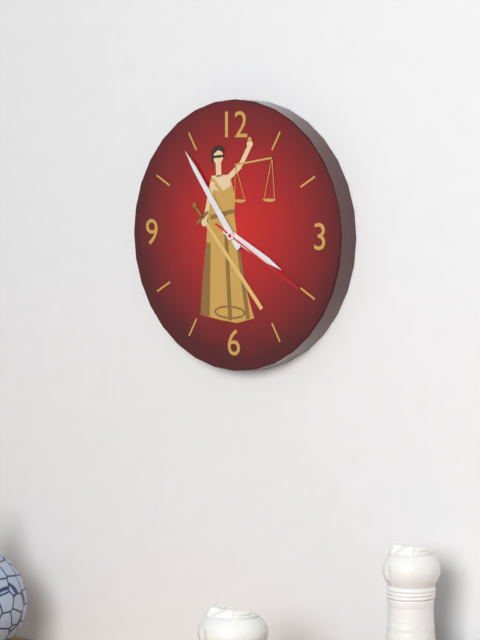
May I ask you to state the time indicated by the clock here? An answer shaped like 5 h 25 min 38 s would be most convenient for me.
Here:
3 h 54 min 20 s
